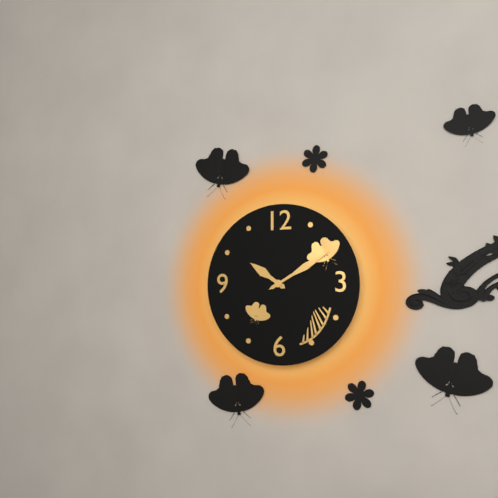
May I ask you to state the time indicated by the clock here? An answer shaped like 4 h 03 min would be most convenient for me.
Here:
10 h 10 min
